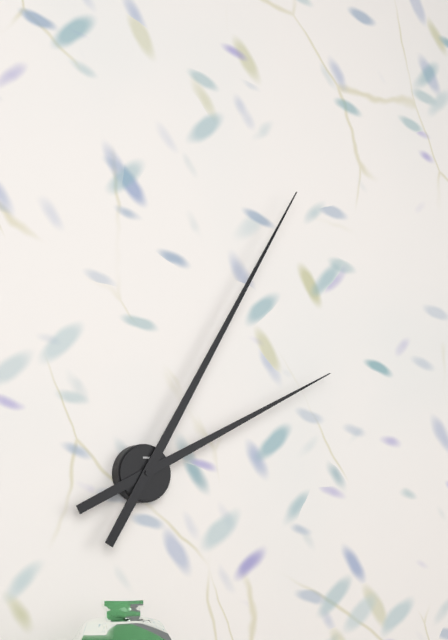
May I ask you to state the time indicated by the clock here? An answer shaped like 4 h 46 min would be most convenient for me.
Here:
2 h 05 min
